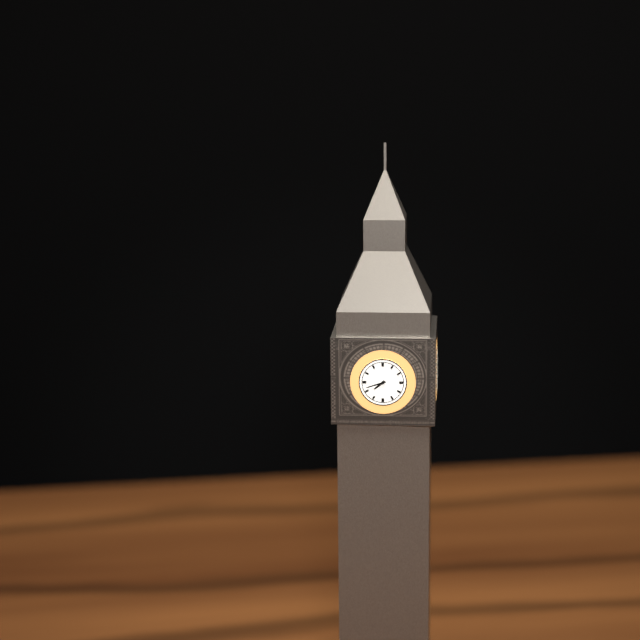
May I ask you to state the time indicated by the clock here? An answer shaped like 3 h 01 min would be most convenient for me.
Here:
7 h 42 min
